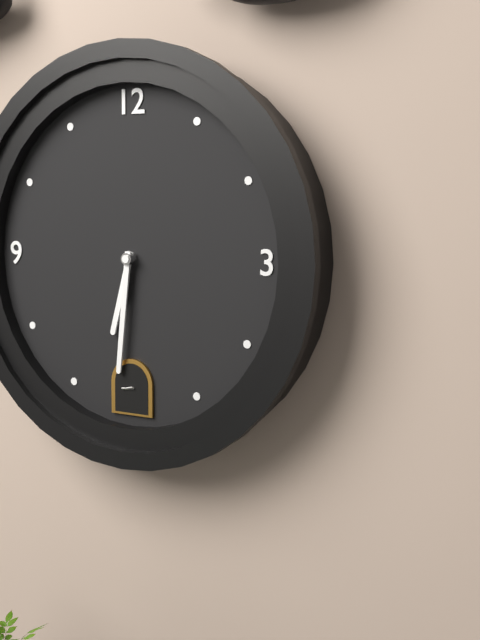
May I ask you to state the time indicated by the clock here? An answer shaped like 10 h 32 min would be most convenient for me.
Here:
6 h 31 min
